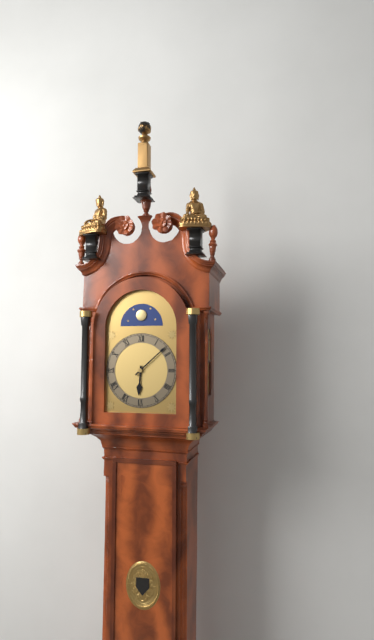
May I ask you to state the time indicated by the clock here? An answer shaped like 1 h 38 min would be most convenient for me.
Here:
6 h 08 min
